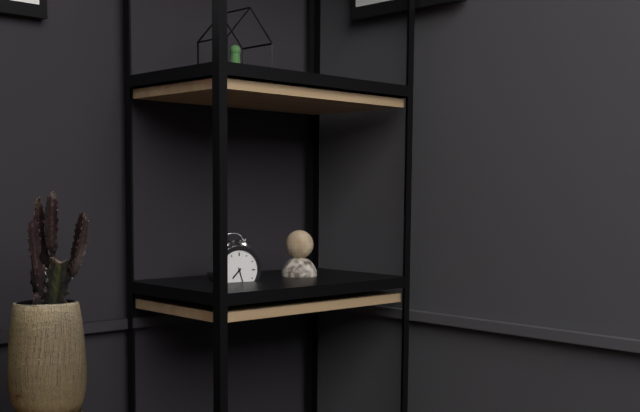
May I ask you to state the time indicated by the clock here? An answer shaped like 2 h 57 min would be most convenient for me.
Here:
7 h 27 min
